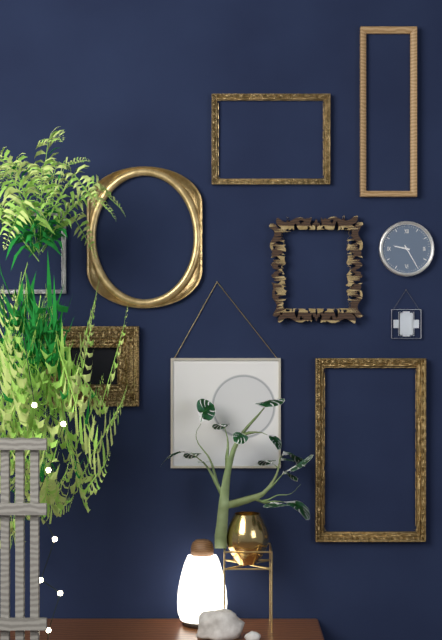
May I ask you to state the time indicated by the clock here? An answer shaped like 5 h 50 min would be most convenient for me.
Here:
9 h 25 min
